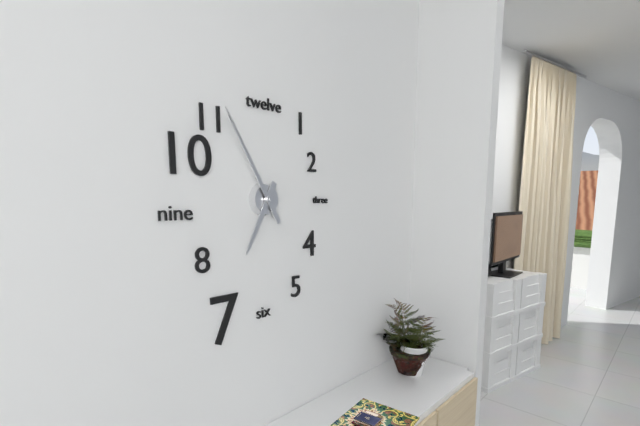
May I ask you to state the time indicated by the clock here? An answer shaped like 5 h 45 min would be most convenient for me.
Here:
6 h 55 min
